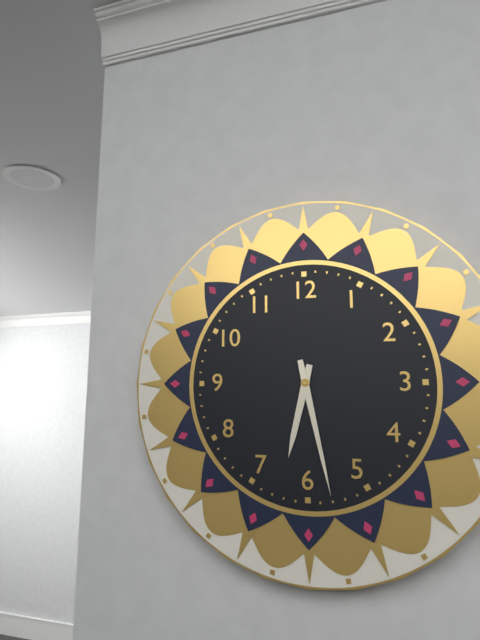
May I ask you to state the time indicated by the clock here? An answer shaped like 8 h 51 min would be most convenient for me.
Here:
6 h 28 min
